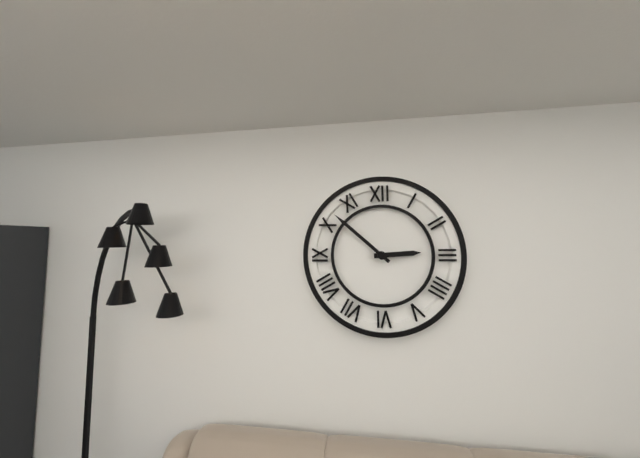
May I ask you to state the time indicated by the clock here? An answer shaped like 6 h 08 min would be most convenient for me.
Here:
2 h 52 min
